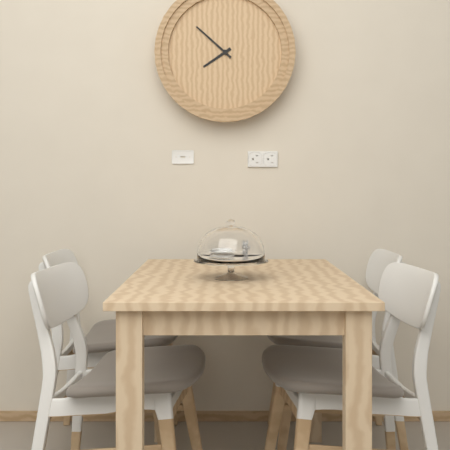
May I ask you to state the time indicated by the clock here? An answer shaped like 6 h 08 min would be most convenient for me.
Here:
7 h 52 min
